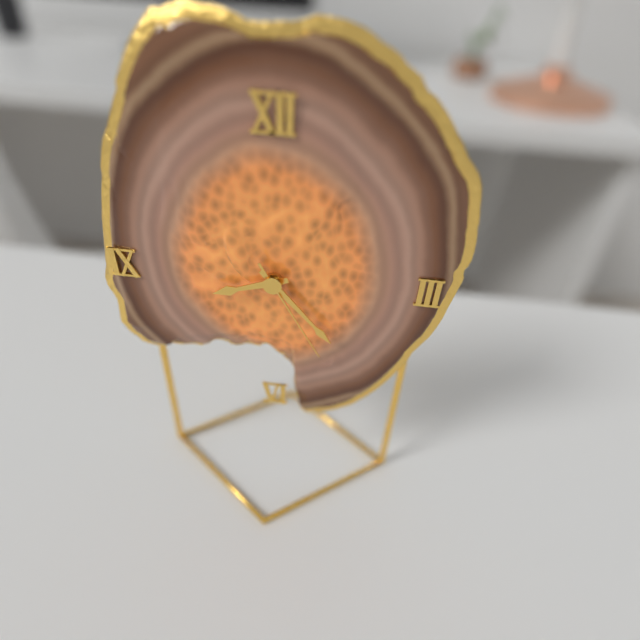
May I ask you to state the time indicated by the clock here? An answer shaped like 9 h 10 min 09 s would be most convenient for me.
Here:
8 h 23 min 25 s
